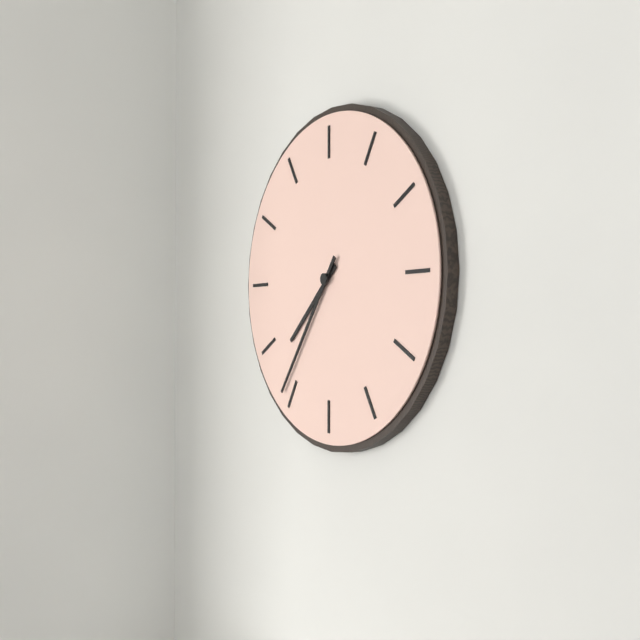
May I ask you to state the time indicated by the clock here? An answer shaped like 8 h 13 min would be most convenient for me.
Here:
7 h 36 min
